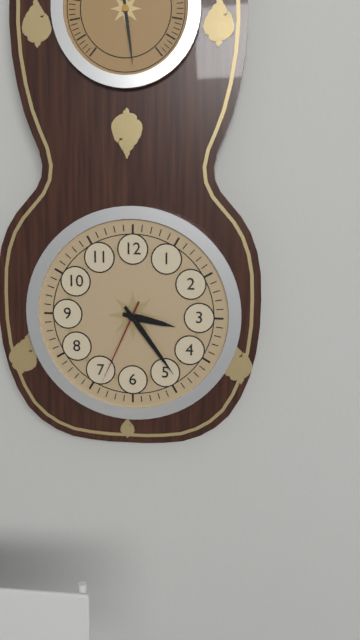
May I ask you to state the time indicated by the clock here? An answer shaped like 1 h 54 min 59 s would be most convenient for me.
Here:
3 h 24 min 34 s
